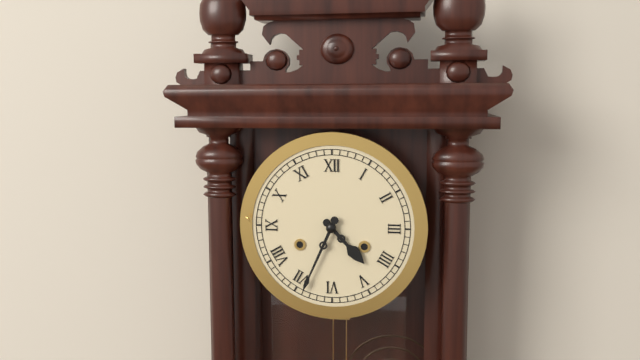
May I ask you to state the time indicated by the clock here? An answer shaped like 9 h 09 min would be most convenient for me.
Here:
4 h 34 min
